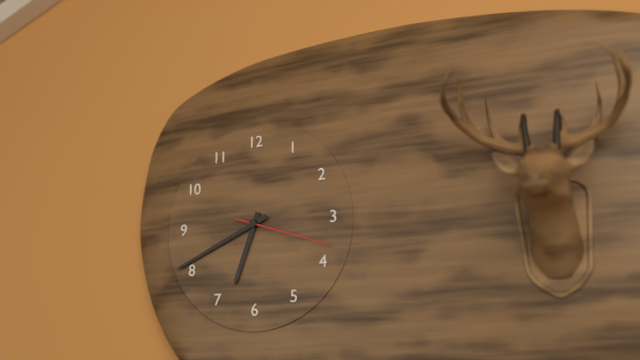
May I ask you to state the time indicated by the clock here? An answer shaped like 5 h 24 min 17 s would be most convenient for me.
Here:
6 h 41 min 18 s
